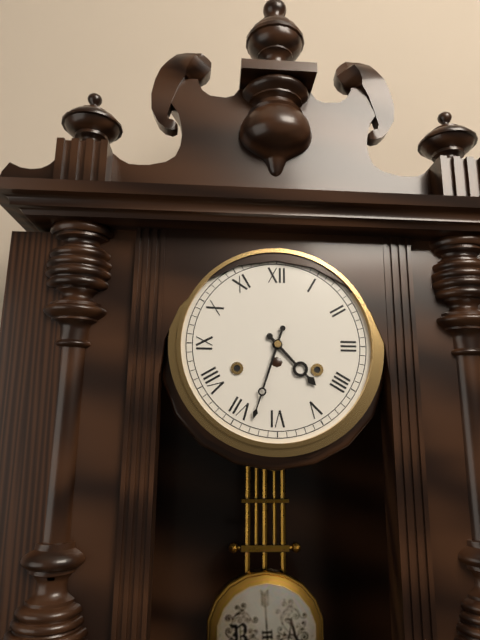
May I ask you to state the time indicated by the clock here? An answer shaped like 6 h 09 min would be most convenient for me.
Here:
4 h 33 min
